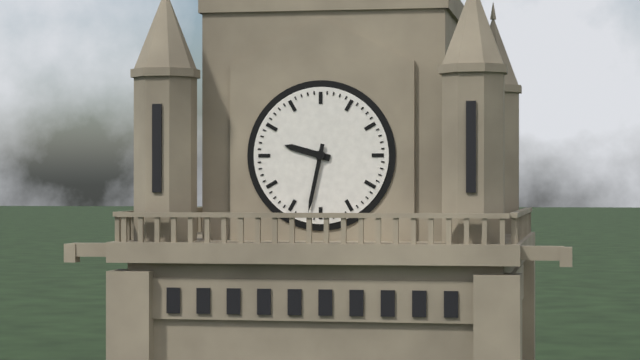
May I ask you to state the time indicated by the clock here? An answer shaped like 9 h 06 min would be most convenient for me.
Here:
9 h 32 min
